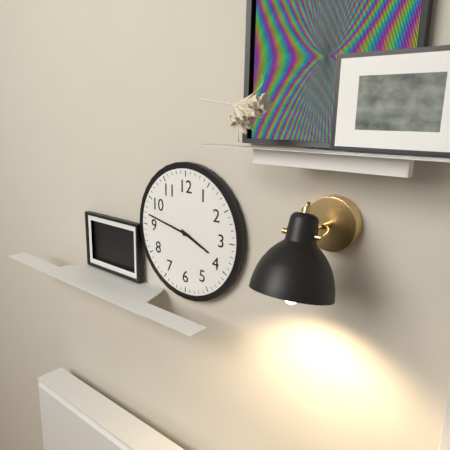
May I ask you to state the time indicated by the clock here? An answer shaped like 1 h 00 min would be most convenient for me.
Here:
3 h 47 min
